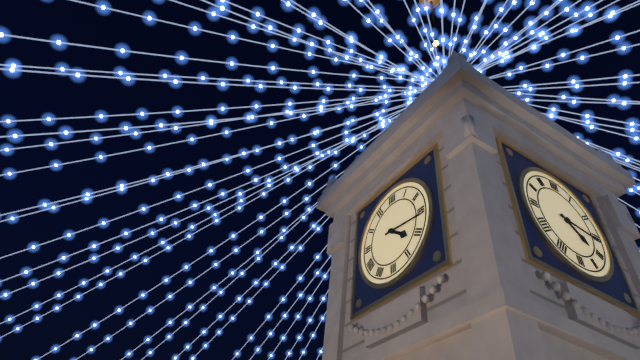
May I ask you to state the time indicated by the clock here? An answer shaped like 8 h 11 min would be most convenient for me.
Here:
4 h 16 min
